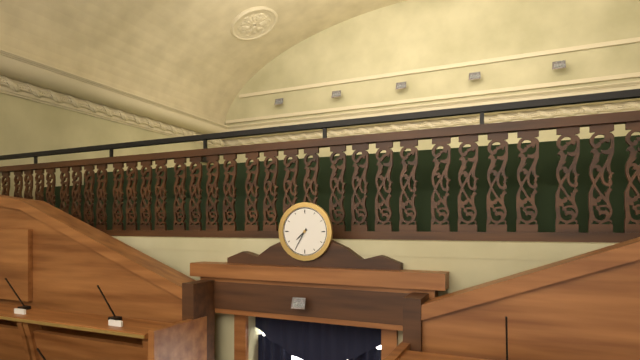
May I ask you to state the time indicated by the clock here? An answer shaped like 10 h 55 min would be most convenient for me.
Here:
7 h 35 min
